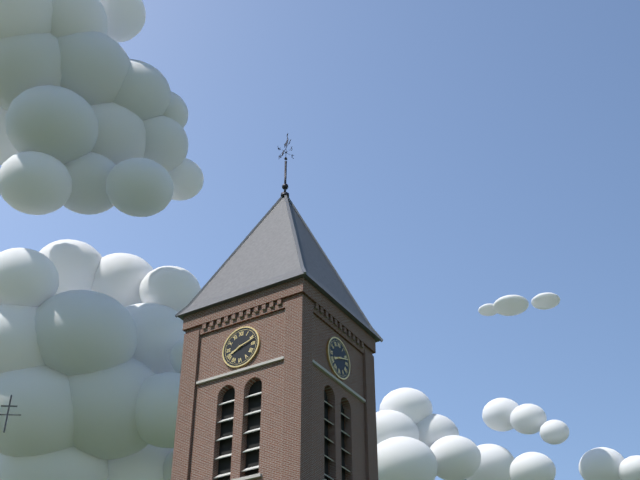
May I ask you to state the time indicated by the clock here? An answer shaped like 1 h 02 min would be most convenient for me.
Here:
8 h 12 min
